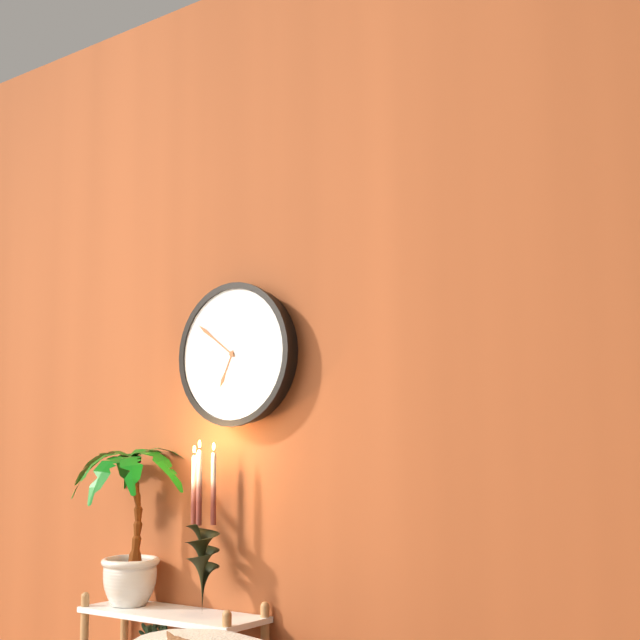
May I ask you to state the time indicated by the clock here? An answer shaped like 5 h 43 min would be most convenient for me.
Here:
6 h 51 min
